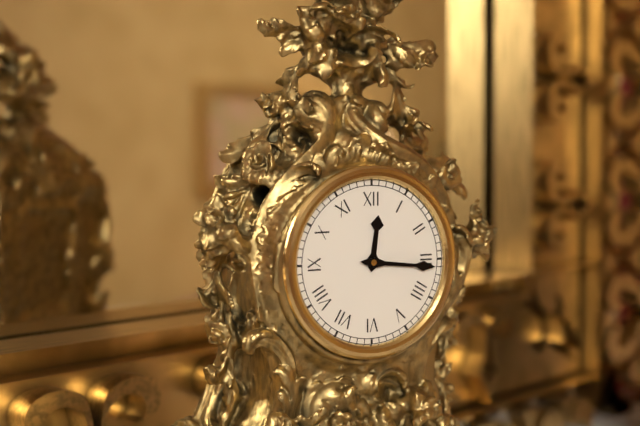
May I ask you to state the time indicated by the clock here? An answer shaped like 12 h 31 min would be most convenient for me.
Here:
12 h 16 min
